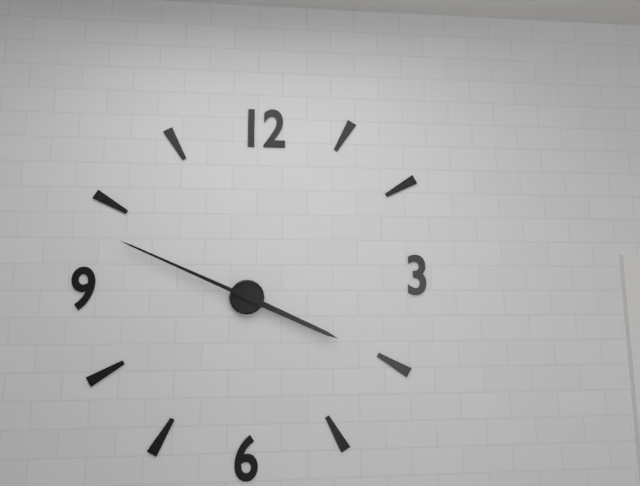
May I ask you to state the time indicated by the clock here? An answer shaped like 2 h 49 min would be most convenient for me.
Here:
3 h 49 min
